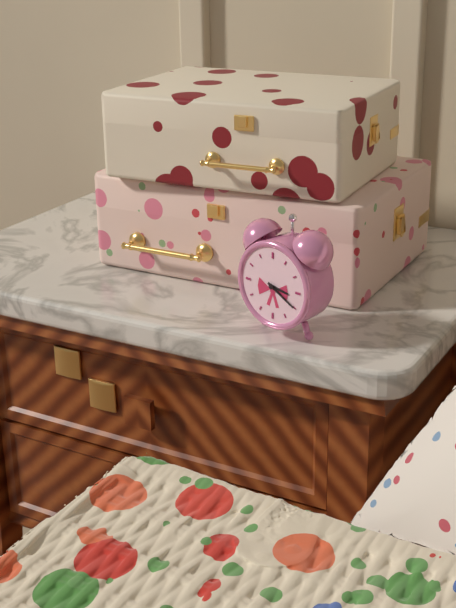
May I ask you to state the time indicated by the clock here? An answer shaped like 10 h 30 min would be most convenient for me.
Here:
3 h 20 min
